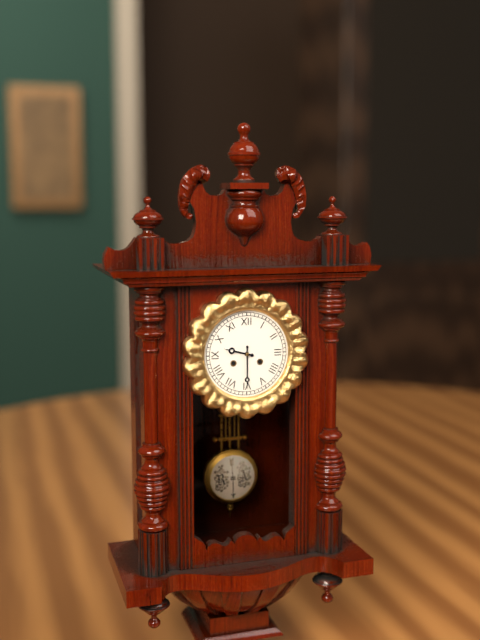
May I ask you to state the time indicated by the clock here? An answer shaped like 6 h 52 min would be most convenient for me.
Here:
9 h 30 min
